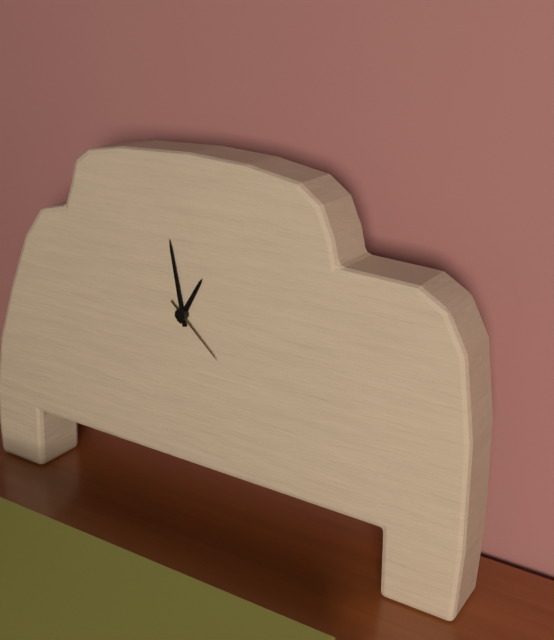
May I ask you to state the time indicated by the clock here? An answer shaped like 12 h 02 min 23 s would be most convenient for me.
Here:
12 h 58 min 22 s
